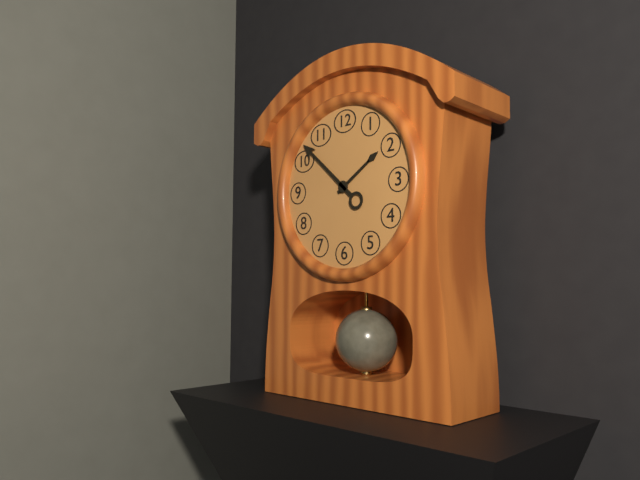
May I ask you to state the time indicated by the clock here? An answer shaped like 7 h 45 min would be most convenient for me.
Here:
1 h 52 min
